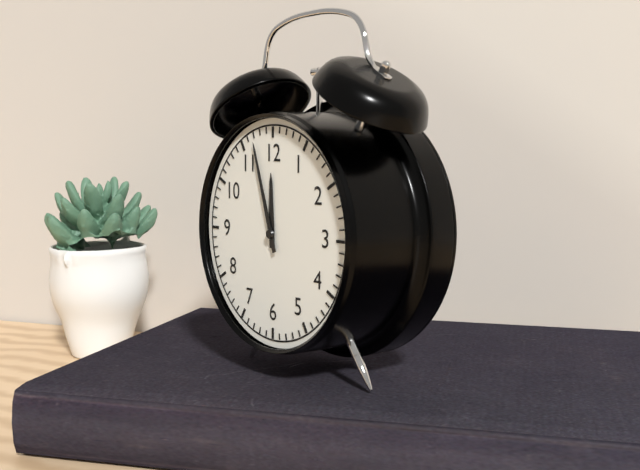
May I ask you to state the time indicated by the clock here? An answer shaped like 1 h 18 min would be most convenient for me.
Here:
11 h 57 min
